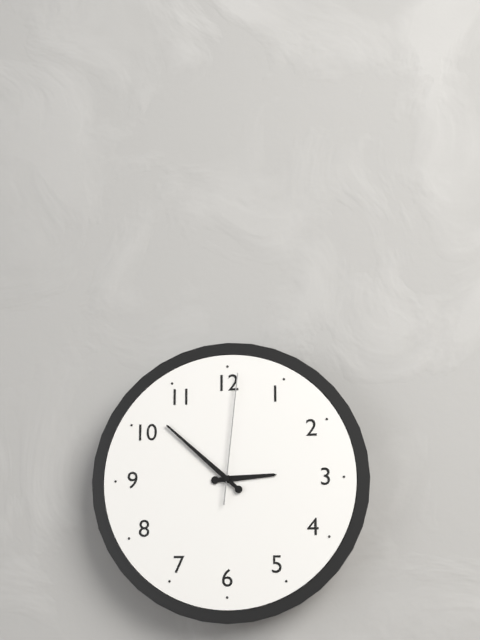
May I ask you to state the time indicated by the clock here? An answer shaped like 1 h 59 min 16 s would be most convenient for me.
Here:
2 h 52 min 01 s
